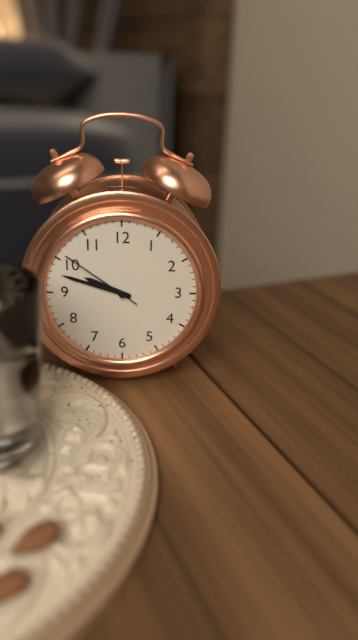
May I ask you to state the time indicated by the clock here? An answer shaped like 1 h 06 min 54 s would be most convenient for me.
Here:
9 h 48 min 51 s
